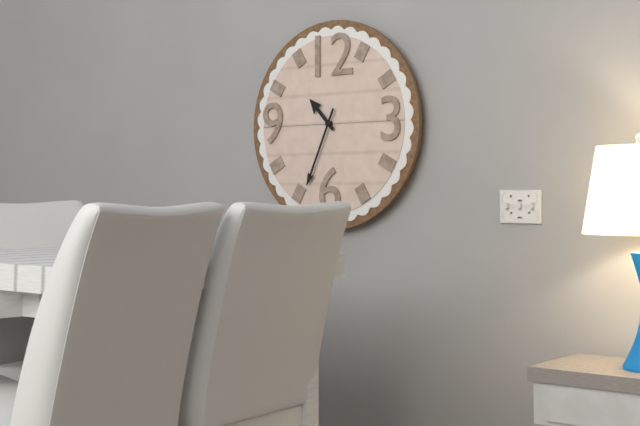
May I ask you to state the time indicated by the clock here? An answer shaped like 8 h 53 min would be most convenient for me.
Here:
10 h 34 min
